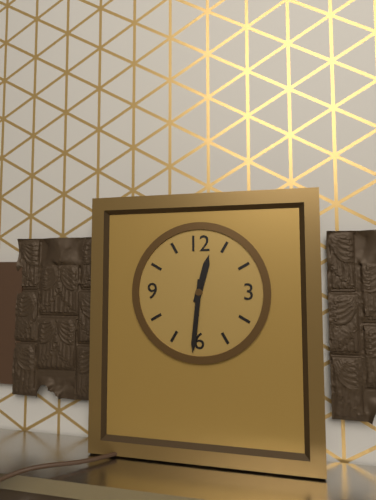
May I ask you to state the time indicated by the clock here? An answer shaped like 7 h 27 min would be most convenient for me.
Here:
12 h 31 min
